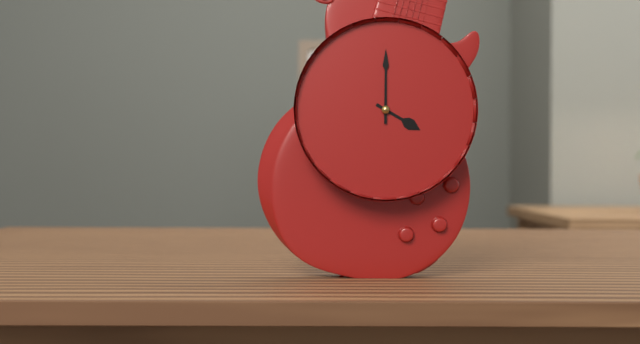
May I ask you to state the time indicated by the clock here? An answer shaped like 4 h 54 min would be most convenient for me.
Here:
4 h 00 min
